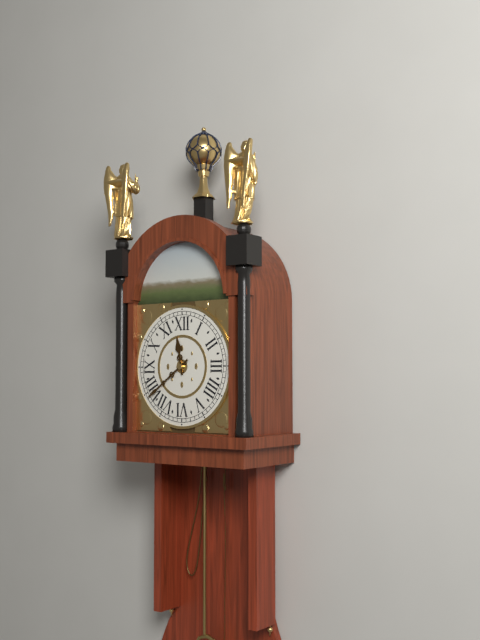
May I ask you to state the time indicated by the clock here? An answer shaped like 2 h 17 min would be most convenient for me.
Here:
11 h 39 min
